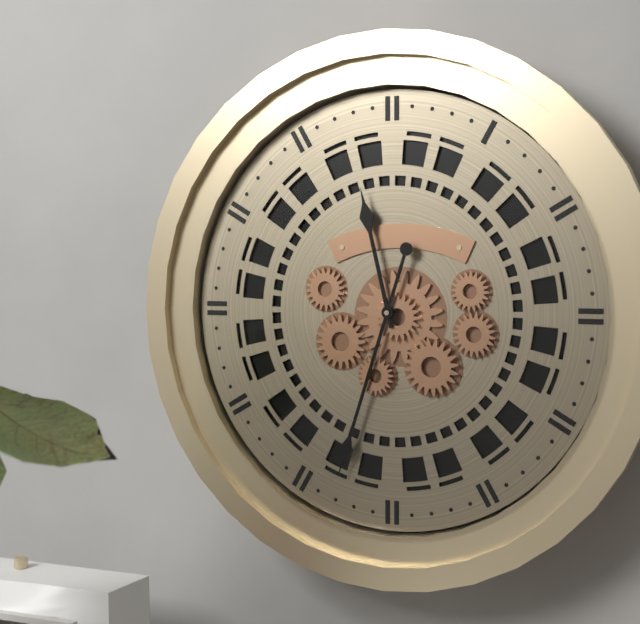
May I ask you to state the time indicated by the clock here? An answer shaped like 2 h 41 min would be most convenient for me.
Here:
11 h 33 min
